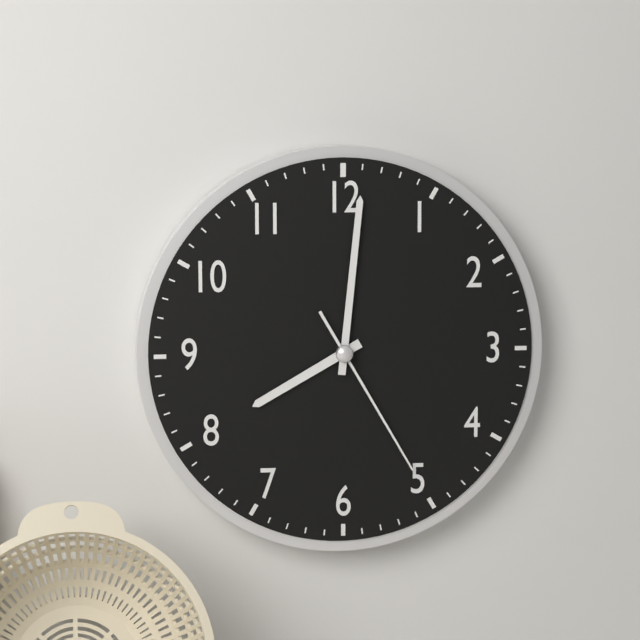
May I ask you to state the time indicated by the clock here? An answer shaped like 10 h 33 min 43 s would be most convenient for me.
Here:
8 h 01 min 25 s
